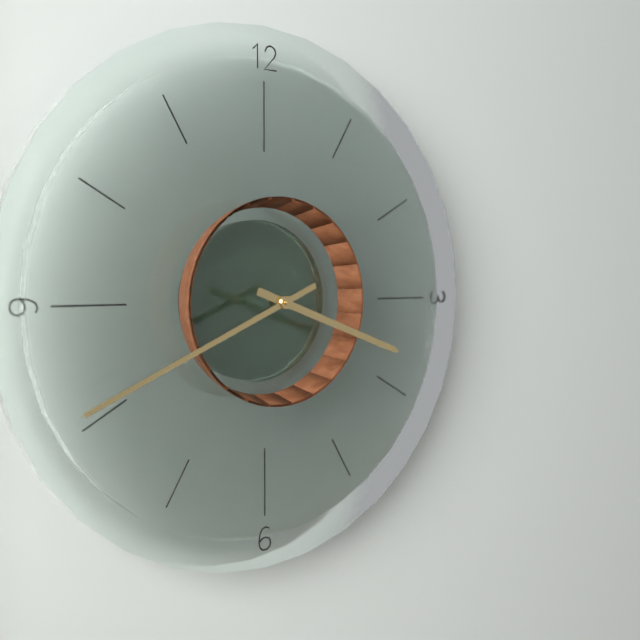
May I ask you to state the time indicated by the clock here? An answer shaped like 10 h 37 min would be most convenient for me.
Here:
3 h 41 min
